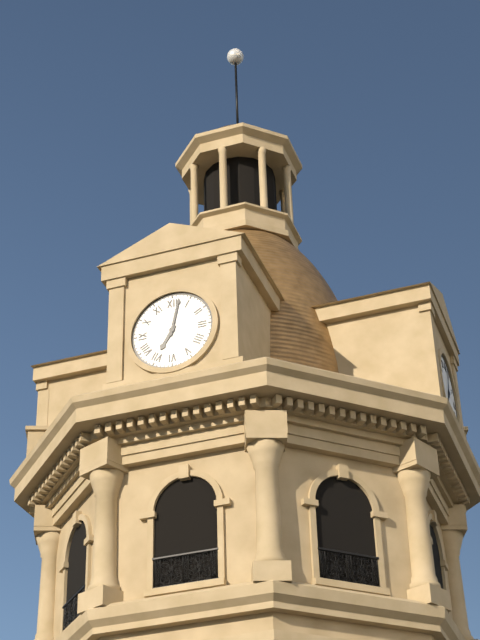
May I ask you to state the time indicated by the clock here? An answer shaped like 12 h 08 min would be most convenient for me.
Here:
7 h 02 min
